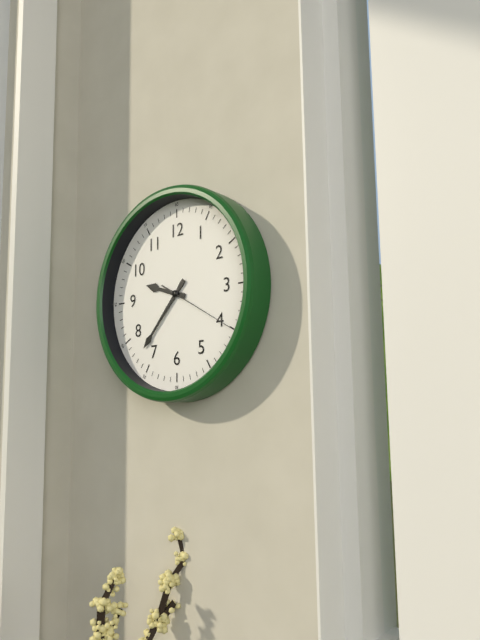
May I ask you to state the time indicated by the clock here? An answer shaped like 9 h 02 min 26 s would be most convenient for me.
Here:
9 h 37 min 20 s
